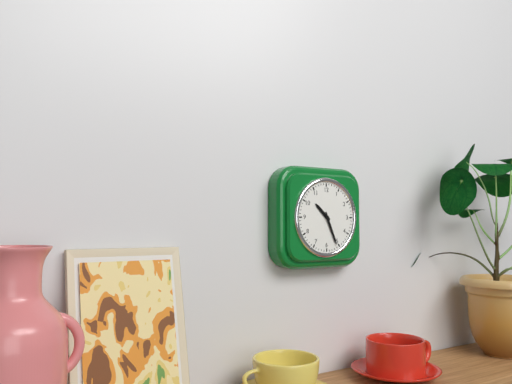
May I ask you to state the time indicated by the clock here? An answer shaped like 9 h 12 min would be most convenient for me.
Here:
10 h 26 min
